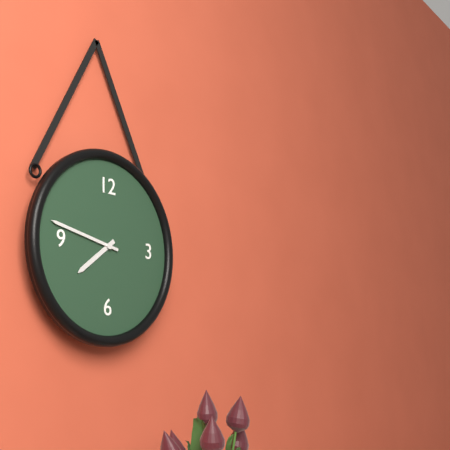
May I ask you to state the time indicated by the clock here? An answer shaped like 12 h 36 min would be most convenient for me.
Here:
7 h 47 min
